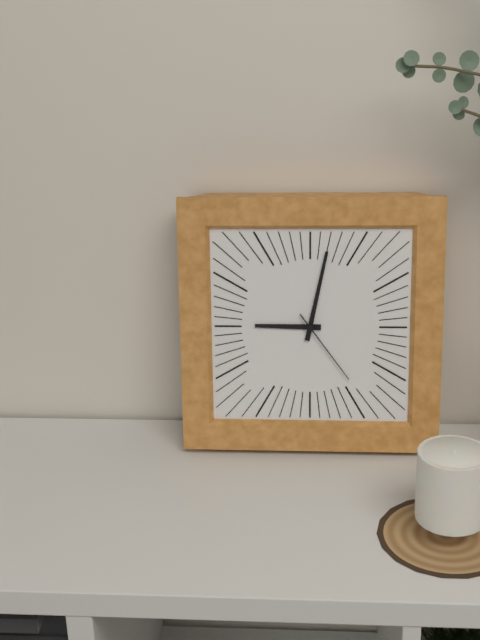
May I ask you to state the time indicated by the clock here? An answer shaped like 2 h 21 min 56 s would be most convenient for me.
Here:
9 h 02 min 24 s
